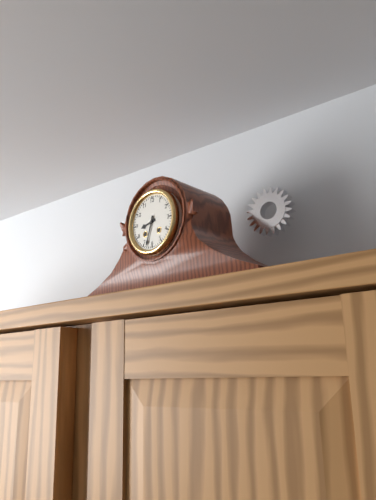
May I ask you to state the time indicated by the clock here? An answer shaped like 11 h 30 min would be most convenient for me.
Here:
8 h 33 min
